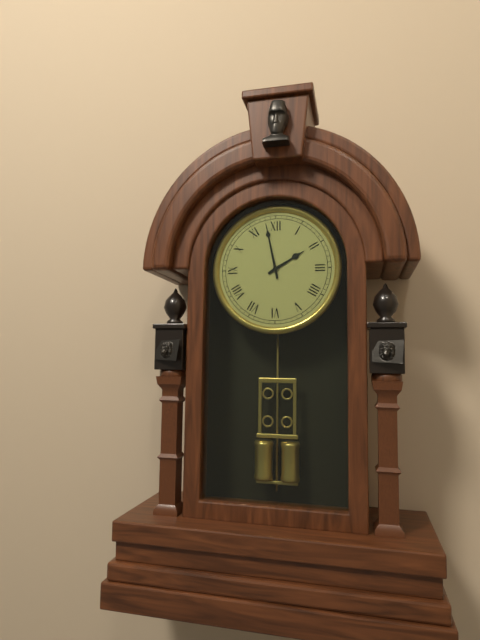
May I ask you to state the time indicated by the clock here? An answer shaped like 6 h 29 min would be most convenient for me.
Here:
1 h 58 min
